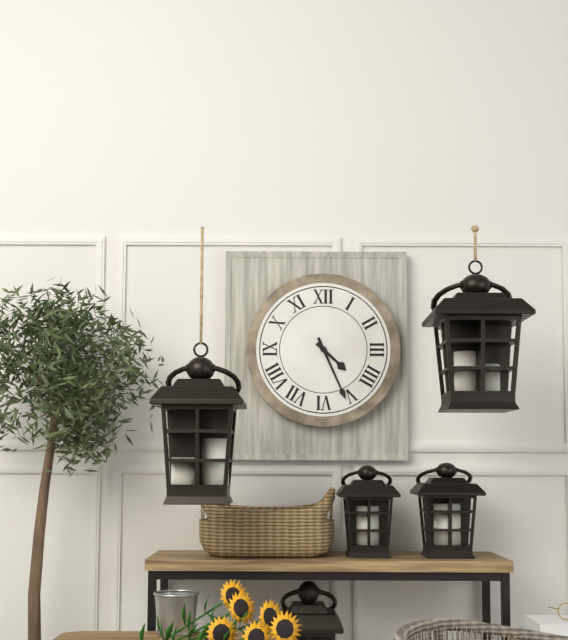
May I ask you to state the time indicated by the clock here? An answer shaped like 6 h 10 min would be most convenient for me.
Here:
4 h 26 min
